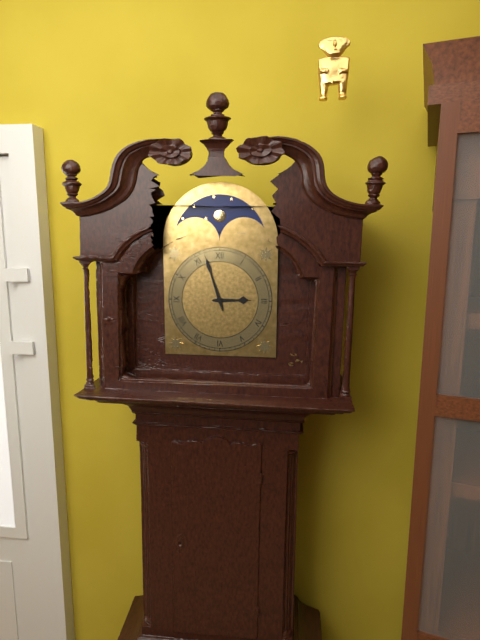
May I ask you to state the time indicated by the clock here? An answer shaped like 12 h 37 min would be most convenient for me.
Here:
2 h 57 min
